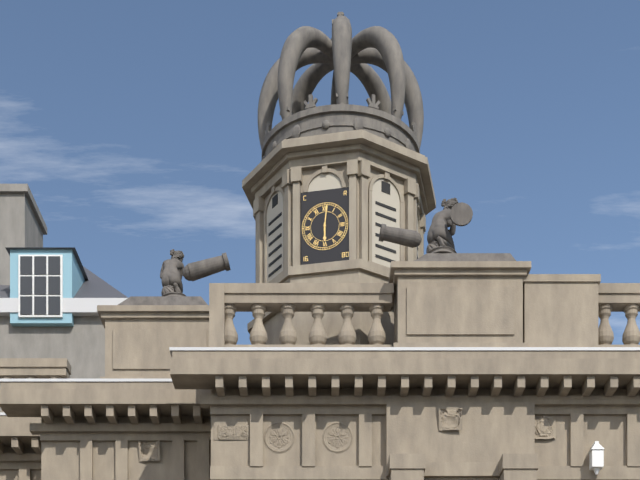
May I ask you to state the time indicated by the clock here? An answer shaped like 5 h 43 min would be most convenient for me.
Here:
6 h 01 min
